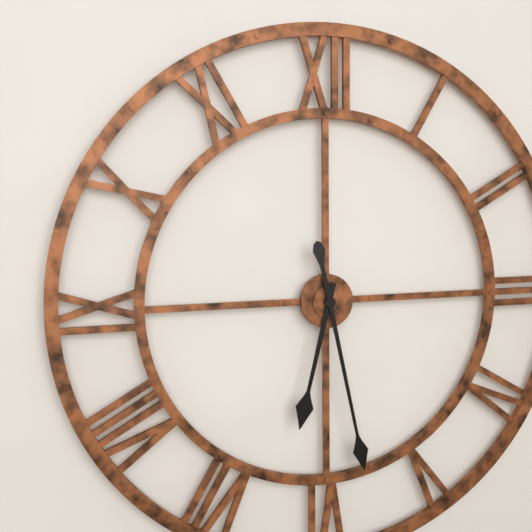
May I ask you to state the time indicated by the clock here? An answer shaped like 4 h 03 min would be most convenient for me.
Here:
6 h 28 min
